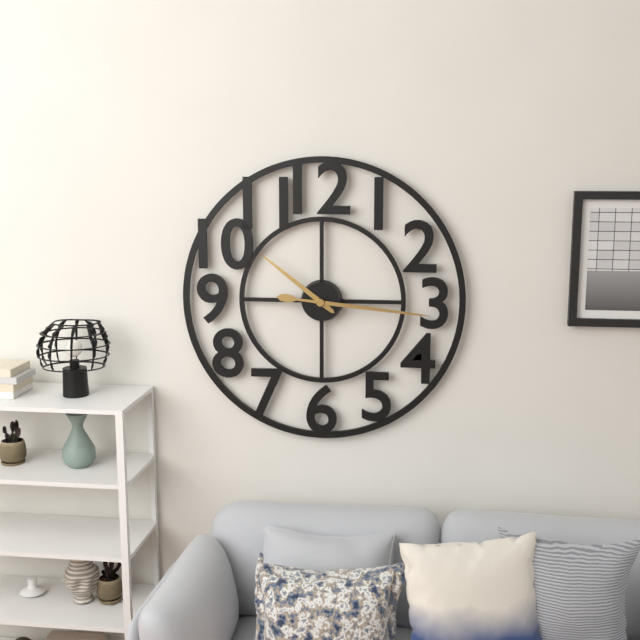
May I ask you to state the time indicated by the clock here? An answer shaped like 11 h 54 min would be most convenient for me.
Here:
10 h 16 min
